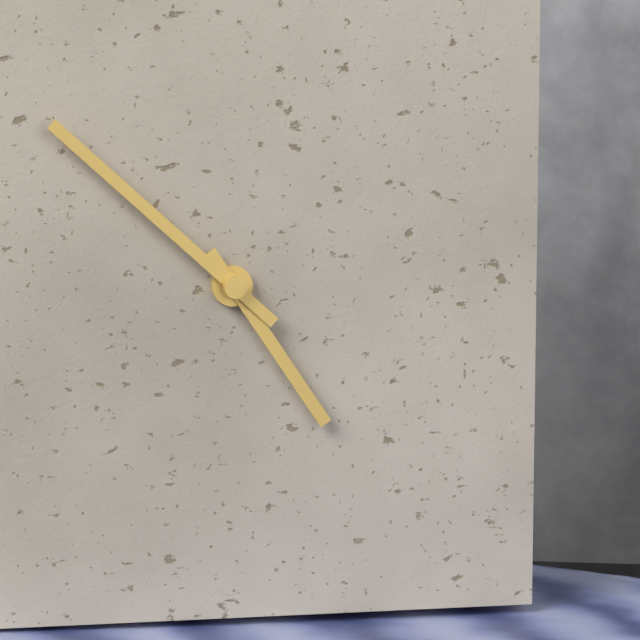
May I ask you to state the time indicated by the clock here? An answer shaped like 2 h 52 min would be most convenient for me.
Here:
4 h 52 min
